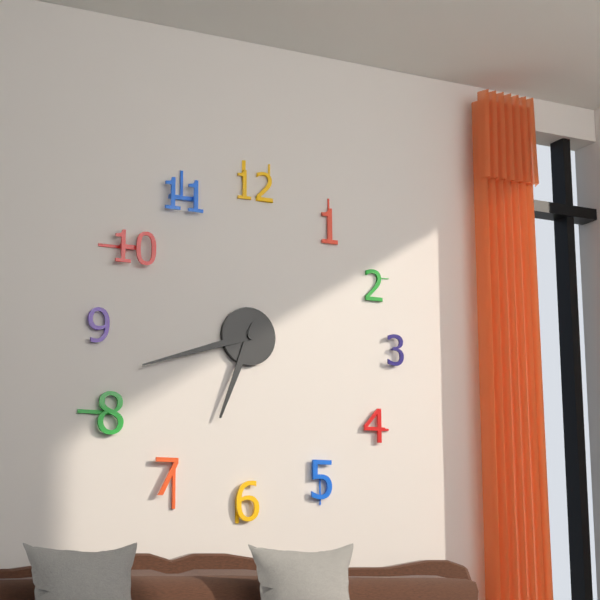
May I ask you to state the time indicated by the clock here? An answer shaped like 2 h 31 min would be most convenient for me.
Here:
6 h 42 min
